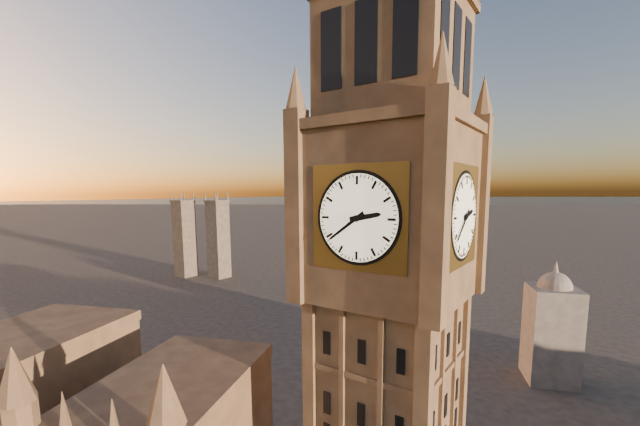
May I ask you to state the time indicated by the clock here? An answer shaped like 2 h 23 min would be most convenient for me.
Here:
2 h 39 min
